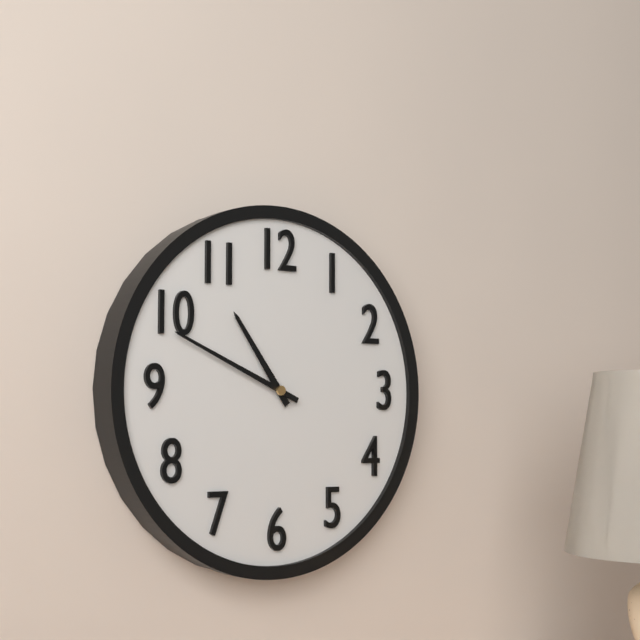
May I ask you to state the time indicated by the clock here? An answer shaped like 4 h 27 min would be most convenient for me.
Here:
10 h 49 min
